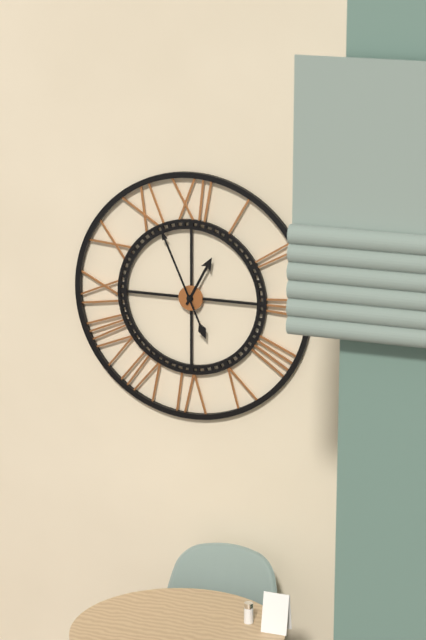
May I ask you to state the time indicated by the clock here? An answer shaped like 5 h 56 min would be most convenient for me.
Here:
12 h 56 min
